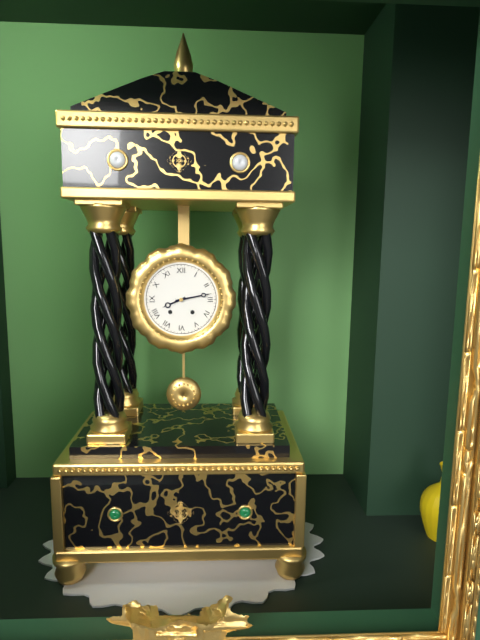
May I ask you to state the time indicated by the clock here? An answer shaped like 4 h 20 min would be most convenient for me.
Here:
8 h 13 min
